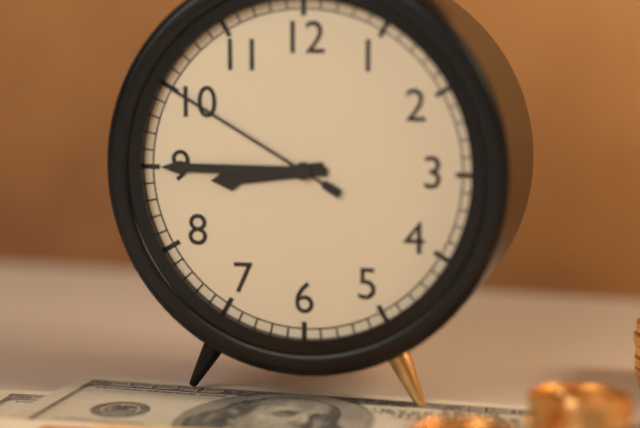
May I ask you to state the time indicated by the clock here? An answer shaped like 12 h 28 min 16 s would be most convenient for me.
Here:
8 h 45 min 50 s
